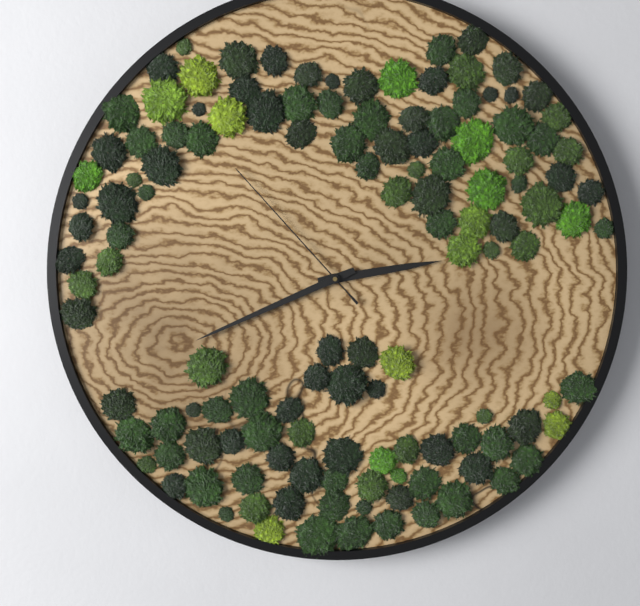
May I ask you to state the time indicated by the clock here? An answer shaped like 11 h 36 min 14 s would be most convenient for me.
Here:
2 h 41 min 53 s
